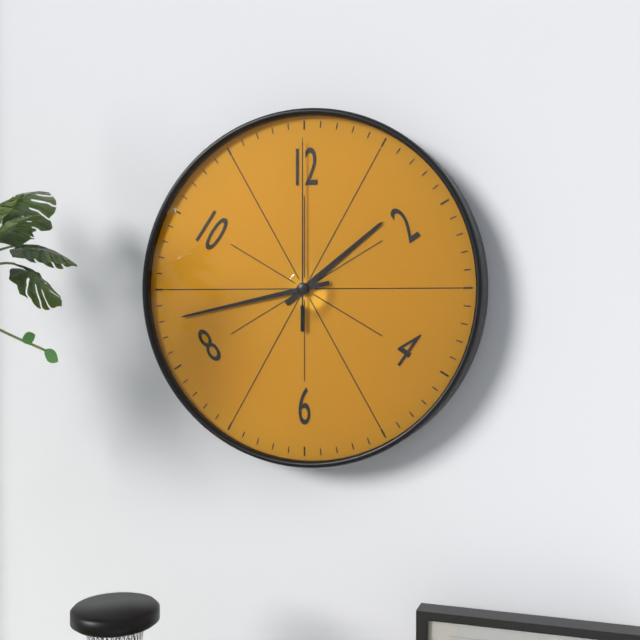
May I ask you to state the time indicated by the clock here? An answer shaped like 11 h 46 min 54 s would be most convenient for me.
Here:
1 h 43 min 00 s
